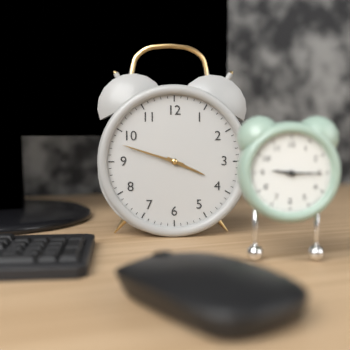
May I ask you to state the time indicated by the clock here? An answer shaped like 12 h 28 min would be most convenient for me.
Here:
3 h 48 min
